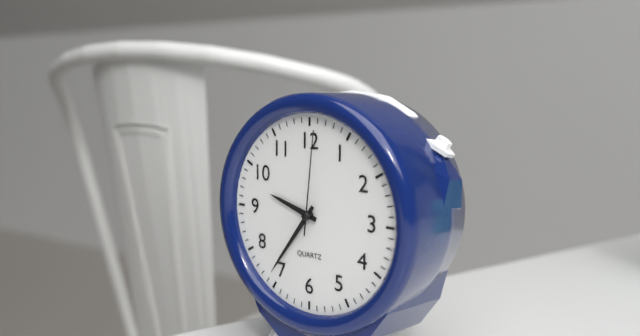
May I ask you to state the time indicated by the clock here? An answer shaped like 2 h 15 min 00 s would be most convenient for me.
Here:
9 h 36 min 01 s
